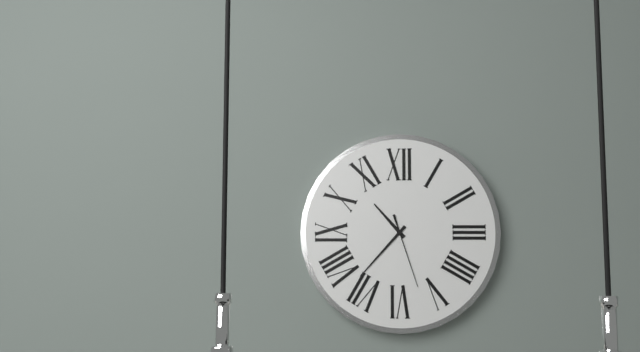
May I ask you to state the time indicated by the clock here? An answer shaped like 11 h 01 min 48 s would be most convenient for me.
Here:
10 h 37 min 27 s
